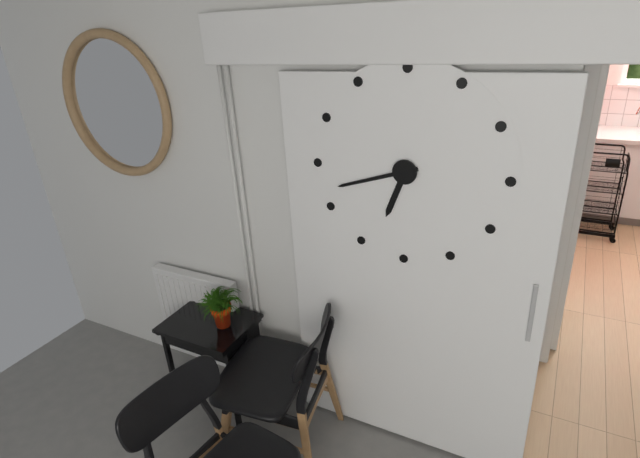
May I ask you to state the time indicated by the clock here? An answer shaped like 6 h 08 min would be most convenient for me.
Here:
6 h 42 min
